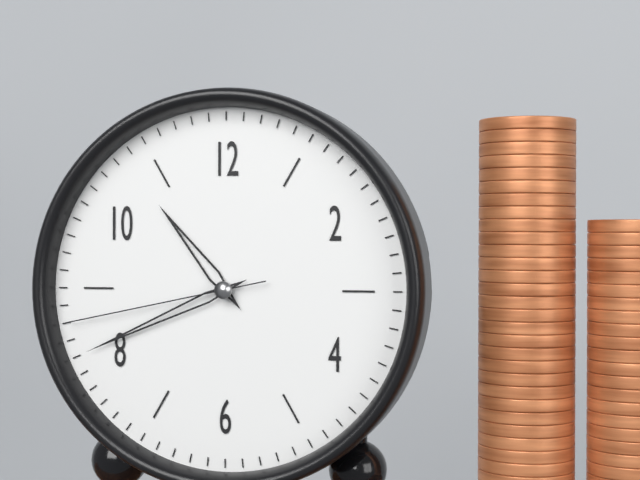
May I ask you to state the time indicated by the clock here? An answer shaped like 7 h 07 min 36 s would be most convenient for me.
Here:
10 h 41 min 43 s
